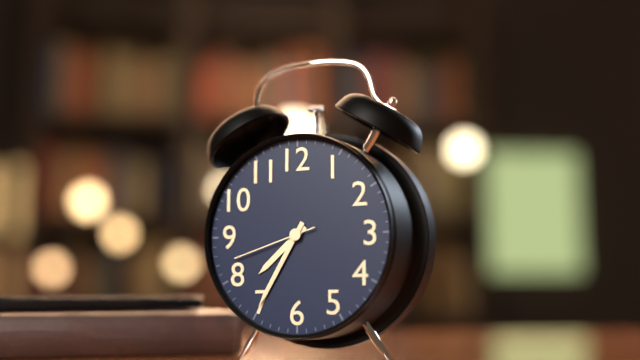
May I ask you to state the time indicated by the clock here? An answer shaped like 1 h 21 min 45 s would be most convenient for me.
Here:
7 h 35 min 42 s
